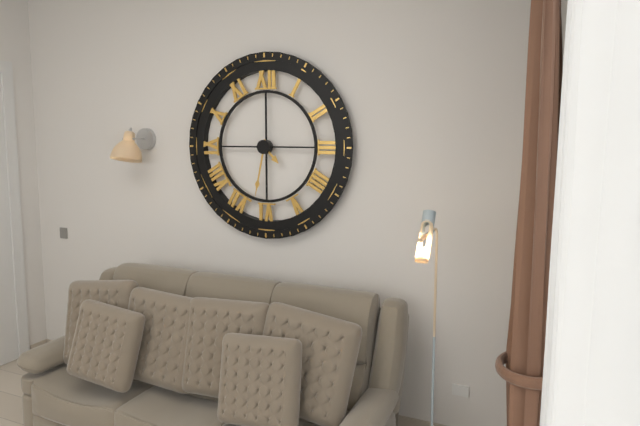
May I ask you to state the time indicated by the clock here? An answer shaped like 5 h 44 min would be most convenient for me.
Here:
4 h 32 min
